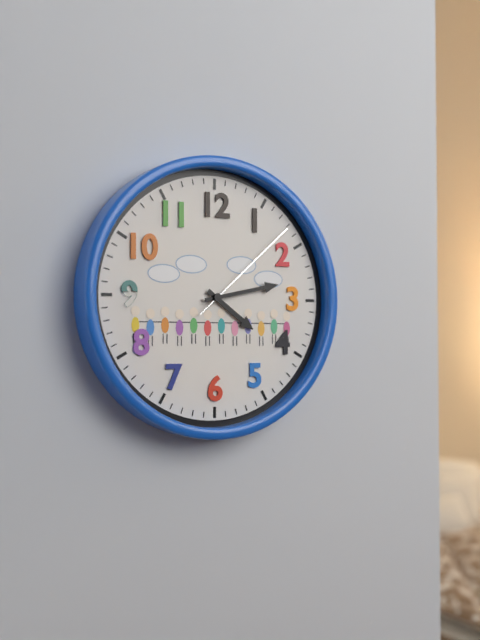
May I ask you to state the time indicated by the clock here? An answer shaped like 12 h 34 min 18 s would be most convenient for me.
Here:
4 h 13 min 08 s
